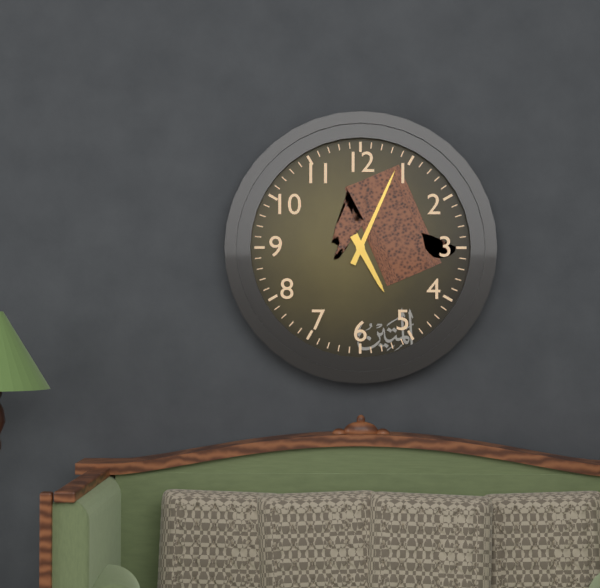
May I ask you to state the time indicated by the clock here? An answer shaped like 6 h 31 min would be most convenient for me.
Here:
5 h 04 min
